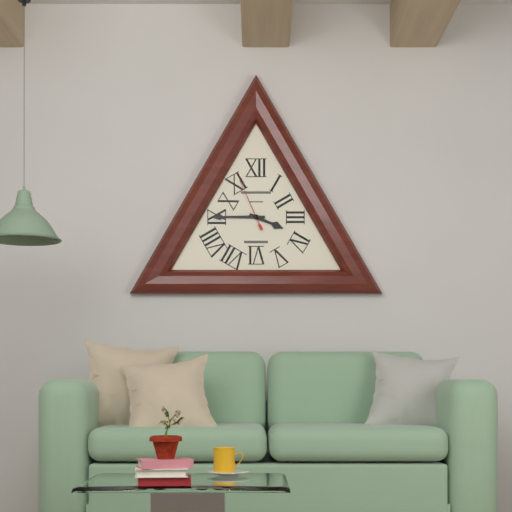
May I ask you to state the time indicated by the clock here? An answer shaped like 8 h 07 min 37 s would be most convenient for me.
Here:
3 h 45 min 56 s
